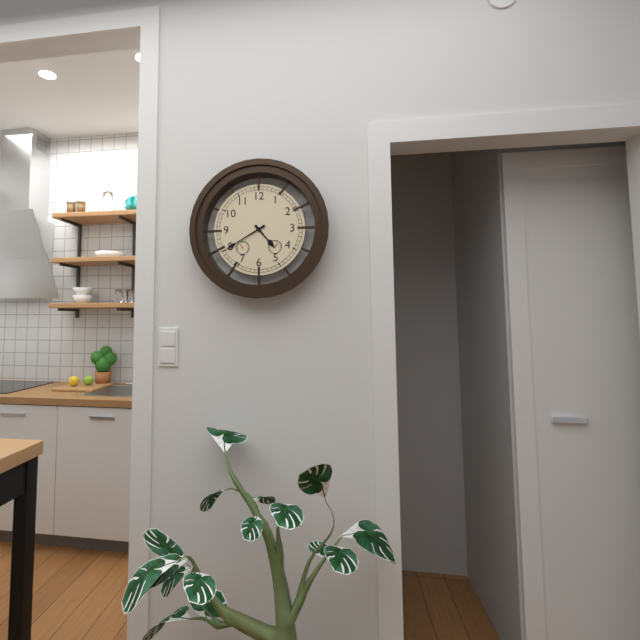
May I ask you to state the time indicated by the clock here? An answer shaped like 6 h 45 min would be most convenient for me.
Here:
4 h 40 min
